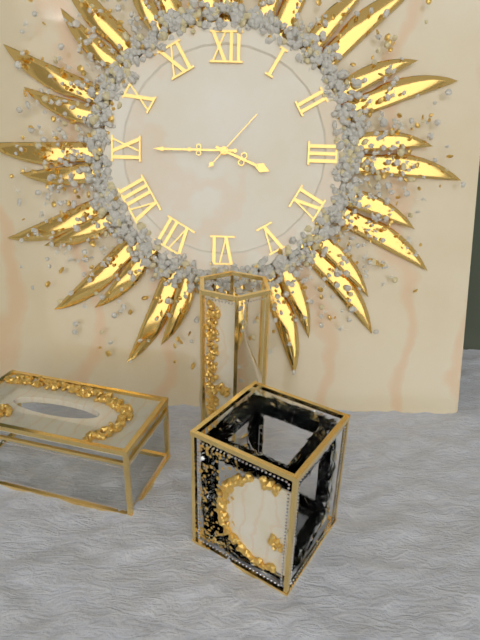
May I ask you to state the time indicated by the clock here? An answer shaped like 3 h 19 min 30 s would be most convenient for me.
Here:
3 h 45 min 07 s
